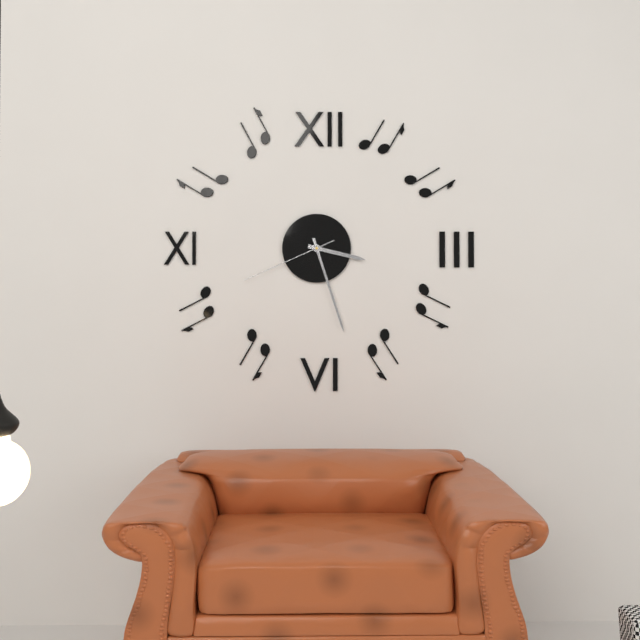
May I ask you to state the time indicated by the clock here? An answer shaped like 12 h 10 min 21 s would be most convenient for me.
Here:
3 h 27 min 41 s
